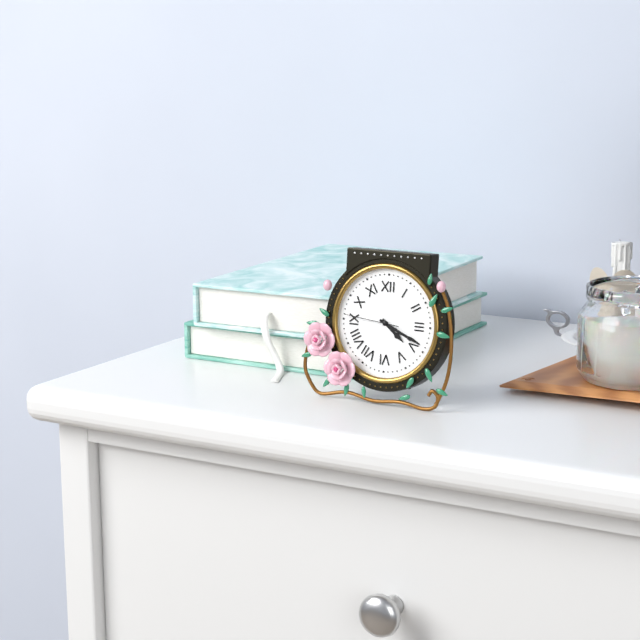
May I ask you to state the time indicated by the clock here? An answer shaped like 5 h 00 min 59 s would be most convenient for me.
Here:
4 h 19 min 46 s
